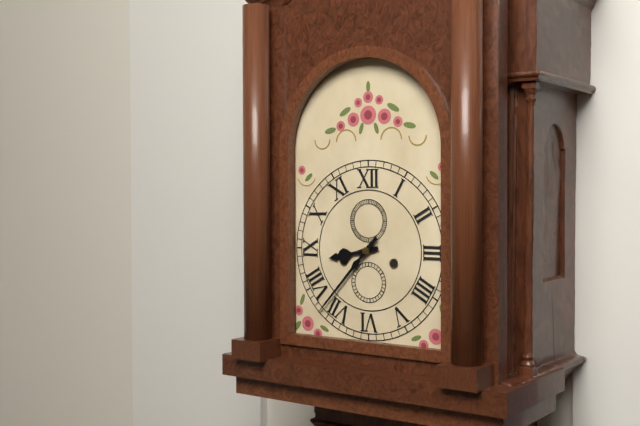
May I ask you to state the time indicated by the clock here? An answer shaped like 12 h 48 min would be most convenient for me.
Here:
8 h 37 min
